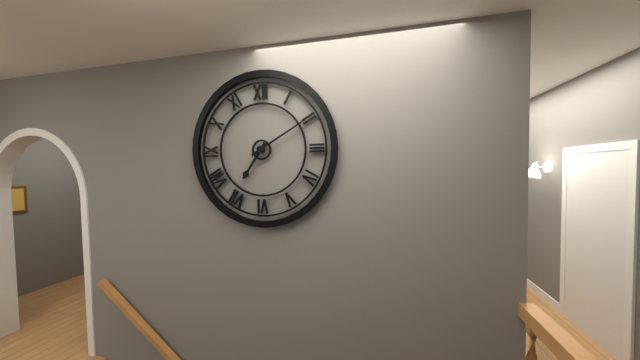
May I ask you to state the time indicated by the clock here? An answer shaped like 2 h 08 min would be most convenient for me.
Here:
7 h 10 min
